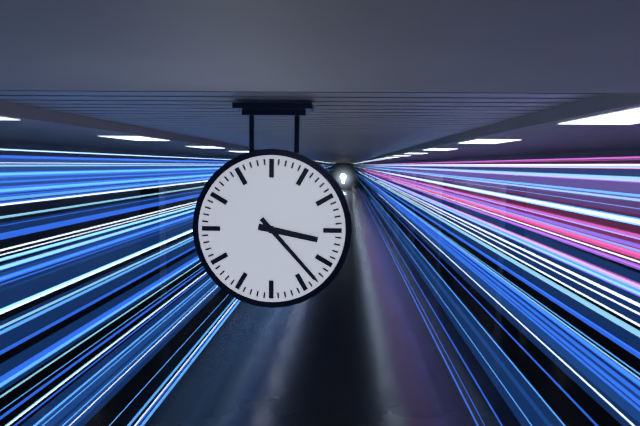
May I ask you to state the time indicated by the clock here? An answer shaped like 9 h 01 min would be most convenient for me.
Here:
3 h 23 min
